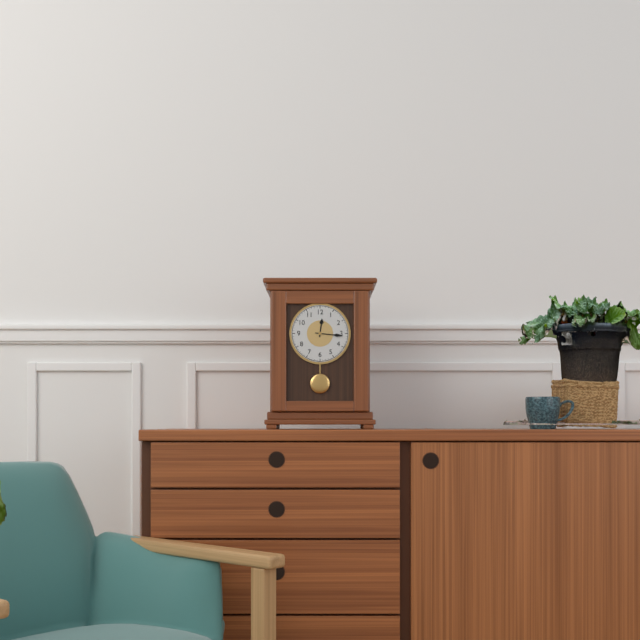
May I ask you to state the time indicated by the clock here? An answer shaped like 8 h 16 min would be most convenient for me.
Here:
12 h 16 min
